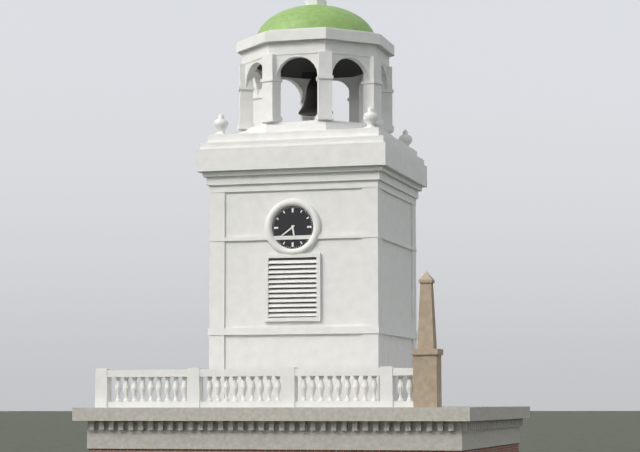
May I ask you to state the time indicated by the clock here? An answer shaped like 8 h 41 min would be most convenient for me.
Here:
5 h 39 min
